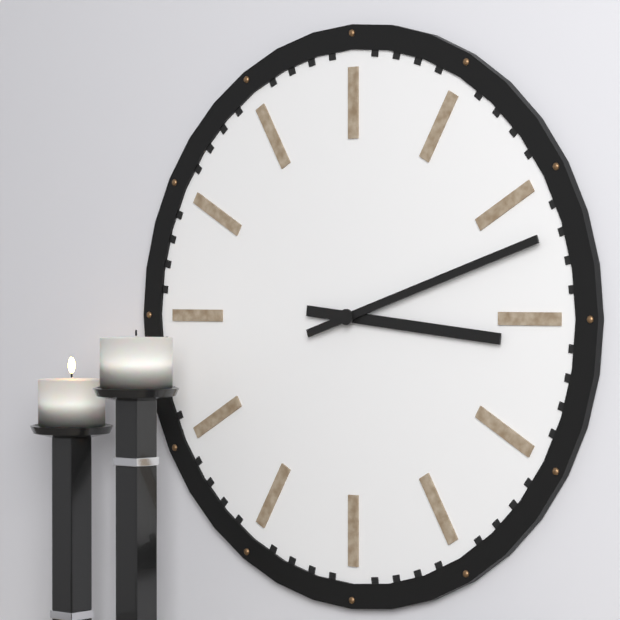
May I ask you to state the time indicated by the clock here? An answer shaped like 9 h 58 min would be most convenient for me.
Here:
3 h 12 min
